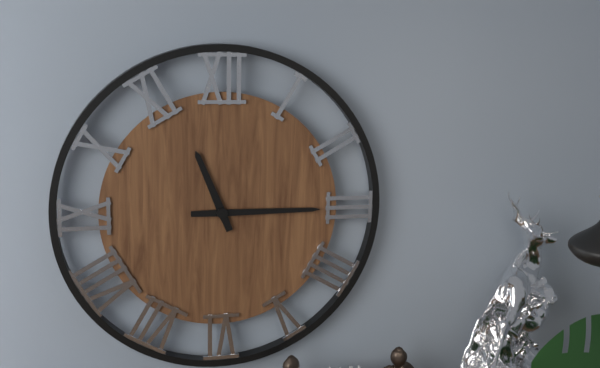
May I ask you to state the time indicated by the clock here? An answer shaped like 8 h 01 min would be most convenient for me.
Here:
11 h 15 min
